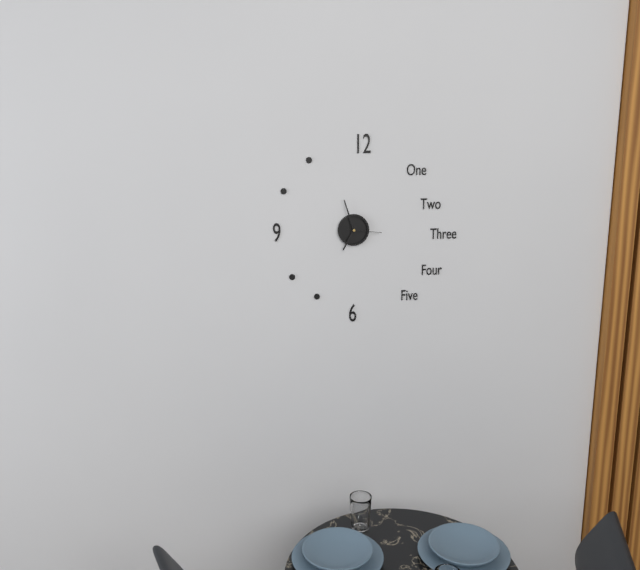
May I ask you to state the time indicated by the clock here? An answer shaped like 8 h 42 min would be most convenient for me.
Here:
6 h 57 min
